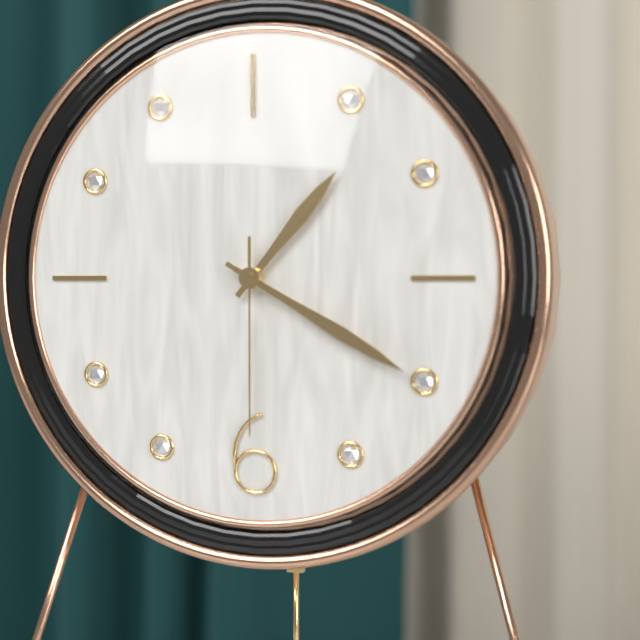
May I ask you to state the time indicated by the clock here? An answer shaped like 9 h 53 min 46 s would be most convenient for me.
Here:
1 h 20 min 30 s
